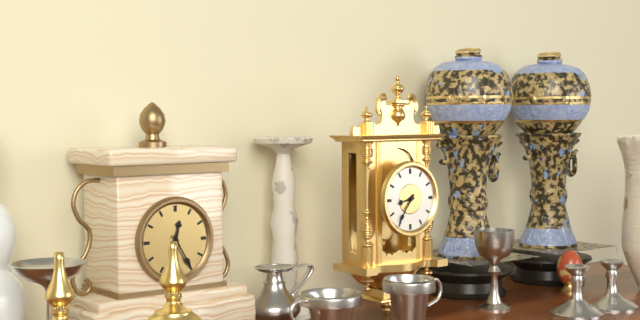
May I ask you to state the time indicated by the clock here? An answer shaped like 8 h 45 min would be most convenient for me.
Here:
8 h 36 min
